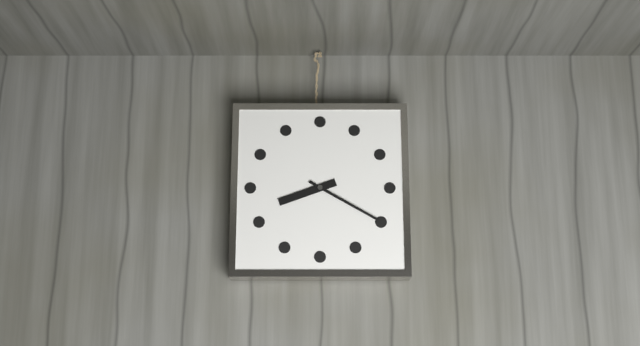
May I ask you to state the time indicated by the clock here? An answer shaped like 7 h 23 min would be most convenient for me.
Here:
8 h 20 min
